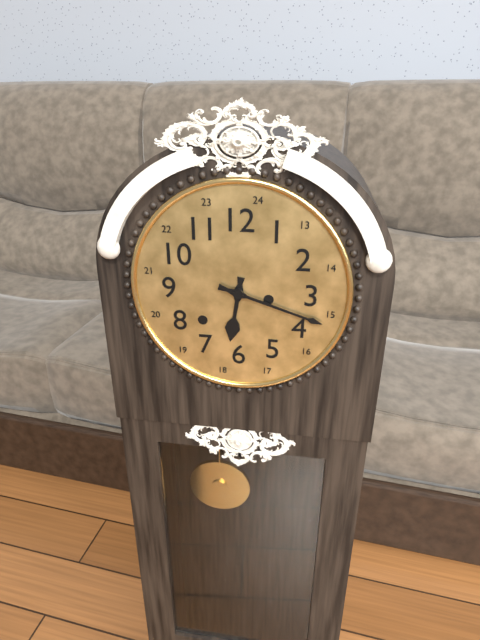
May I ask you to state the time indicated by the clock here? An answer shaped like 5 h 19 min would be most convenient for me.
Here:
6 h 18 min
